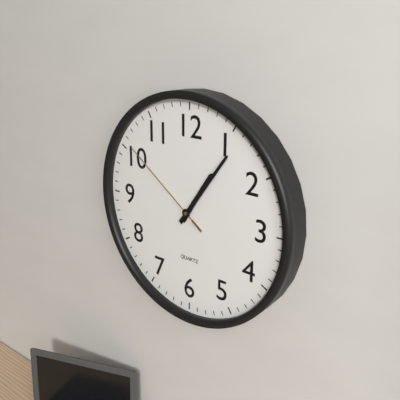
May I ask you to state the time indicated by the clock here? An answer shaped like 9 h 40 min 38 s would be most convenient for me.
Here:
1 h 06 min 51 s
